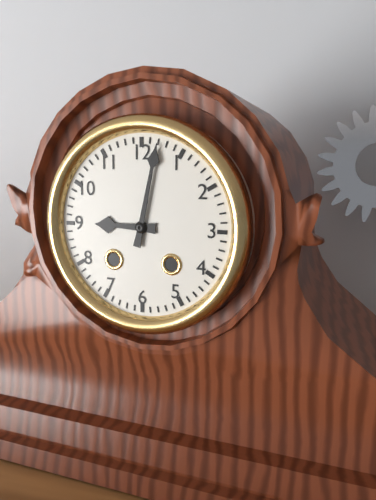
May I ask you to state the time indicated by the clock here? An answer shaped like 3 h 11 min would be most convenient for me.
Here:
9 h 02 min
